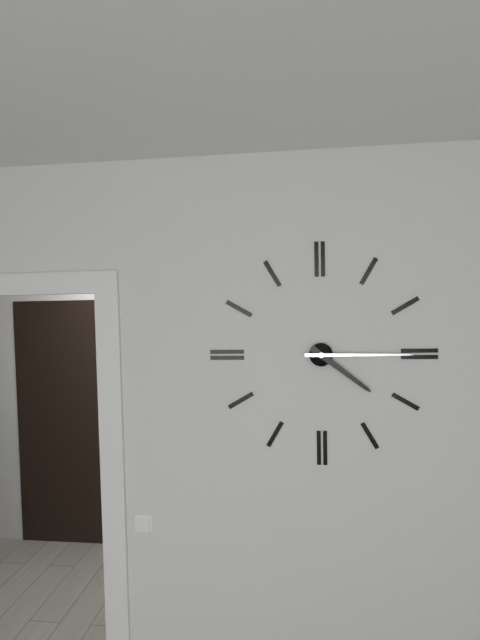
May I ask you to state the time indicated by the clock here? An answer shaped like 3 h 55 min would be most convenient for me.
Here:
4 h 15 min
